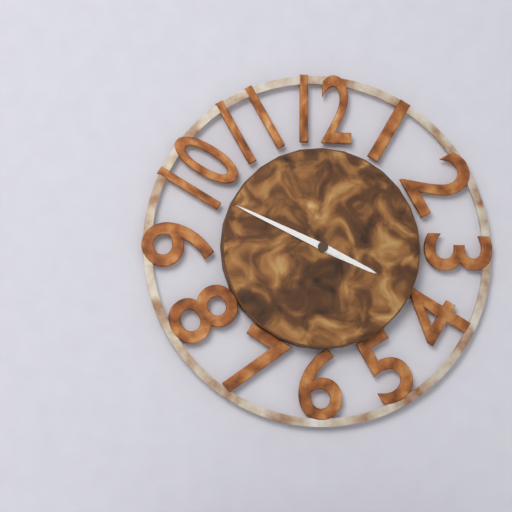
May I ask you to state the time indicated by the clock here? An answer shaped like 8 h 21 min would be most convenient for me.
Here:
3 h 49 min
